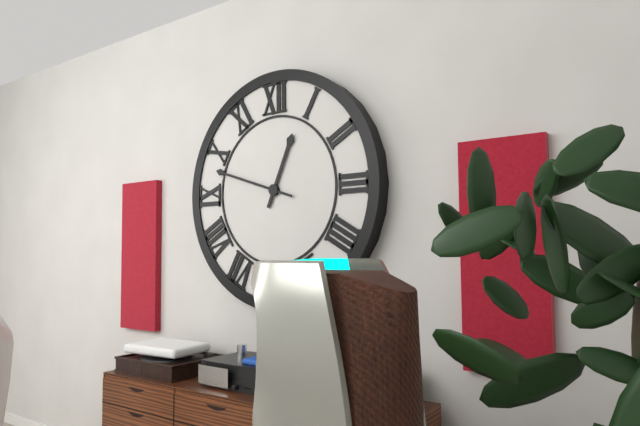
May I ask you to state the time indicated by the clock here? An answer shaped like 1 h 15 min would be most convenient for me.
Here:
12 h 48 min
